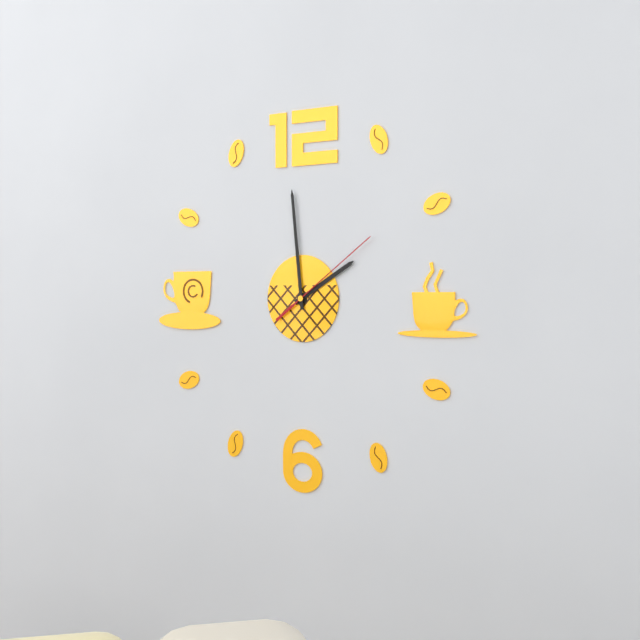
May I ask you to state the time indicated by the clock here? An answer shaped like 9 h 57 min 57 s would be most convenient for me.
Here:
1 h 59 min 09 s
